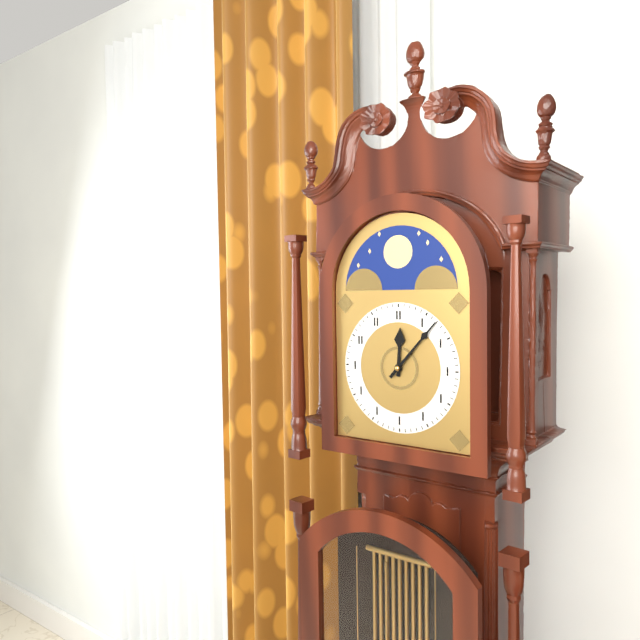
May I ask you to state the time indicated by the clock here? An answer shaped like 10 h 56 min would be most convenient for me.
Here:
12 h 07 min
